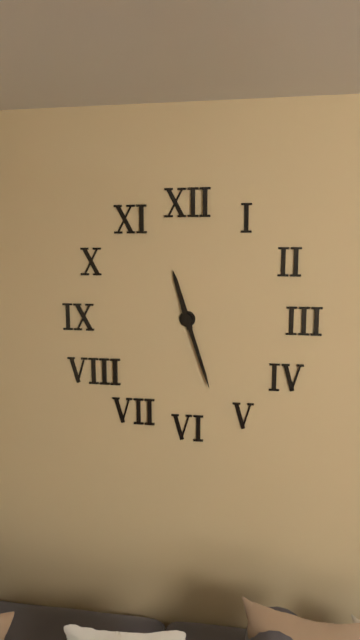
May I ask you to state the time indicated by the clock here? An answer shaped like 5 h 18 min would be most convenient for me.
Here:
11 h 27 min
